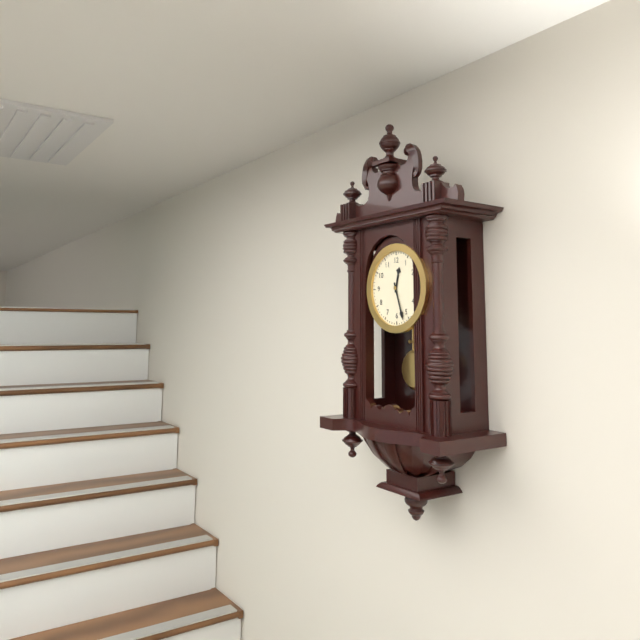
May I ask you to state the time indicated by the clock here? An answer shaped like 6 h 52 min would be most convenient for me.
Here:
12 h 27 min
